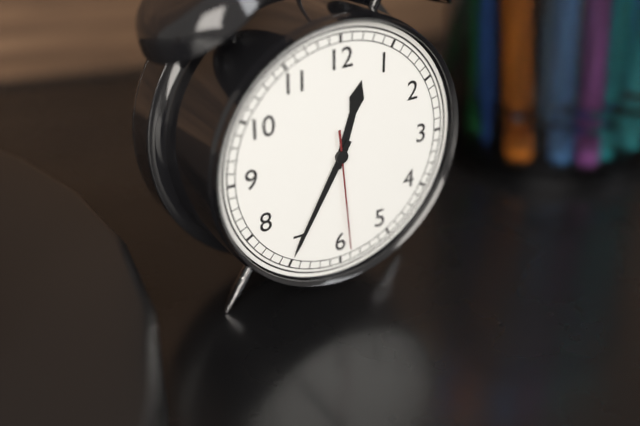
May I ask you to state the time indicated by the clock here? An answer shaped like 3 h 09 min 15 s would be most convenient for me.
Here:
12 h 35 min 29 s
